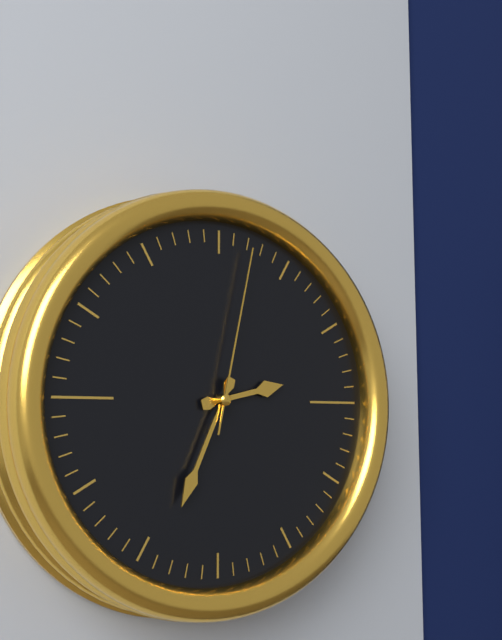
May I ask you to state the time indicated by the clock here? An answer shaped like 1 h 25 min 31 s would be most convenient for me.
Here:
2 h 34 min 02 s
